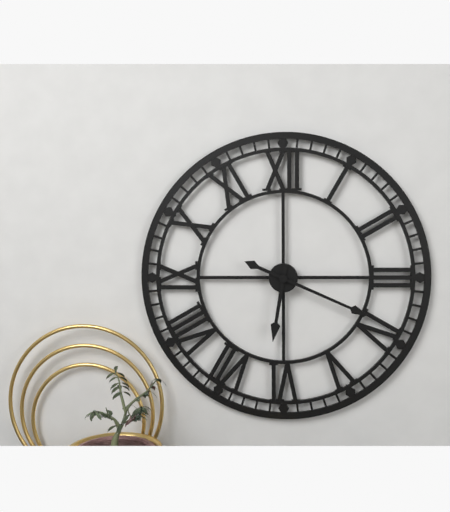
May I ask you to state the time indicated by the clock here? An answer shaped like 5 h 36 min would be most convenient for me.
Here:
6 h 19 min
